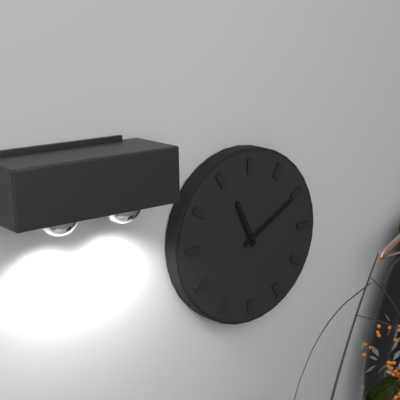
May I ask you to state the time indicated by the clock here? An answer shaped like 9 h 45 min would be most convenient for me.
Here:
11 h 10 min
